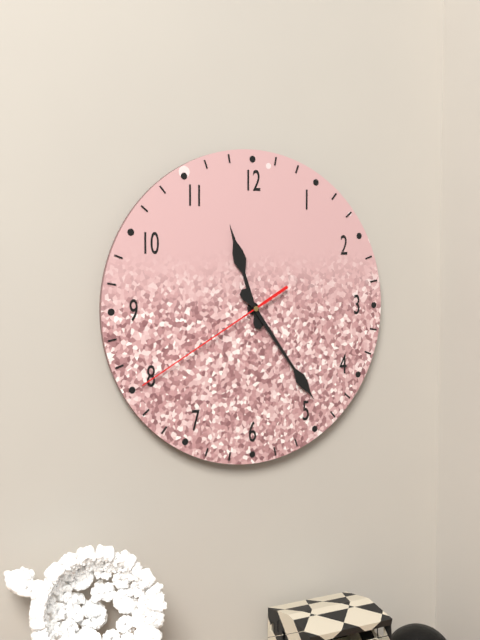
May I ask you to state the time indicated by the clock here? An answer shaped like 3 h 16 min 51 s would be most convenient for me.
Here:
11 h 24 min 40 s
